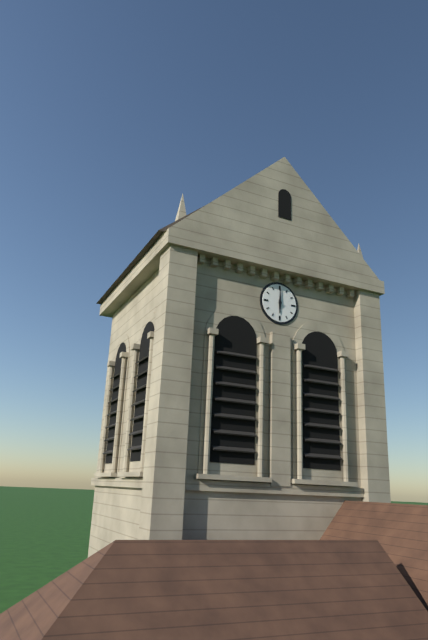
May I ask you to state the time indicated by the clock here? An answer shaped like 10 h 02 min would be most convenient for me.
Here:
6 h 00 min
